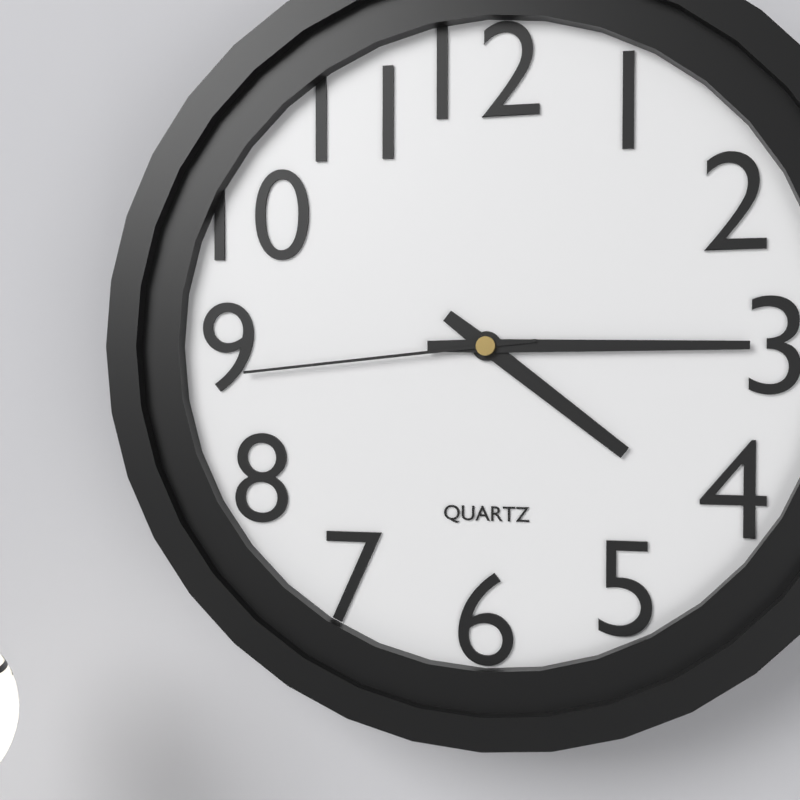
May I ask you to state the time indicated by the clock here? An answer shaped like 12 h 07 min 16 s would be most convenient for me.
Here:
4 h 15 min 44 s
